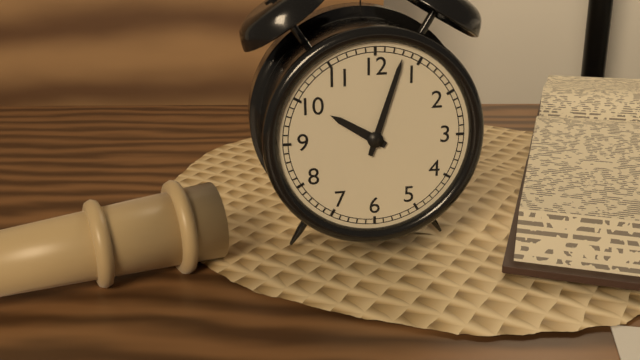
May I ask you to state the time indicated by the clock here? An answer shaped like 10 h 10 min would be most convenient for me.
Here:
10 h 03 min
